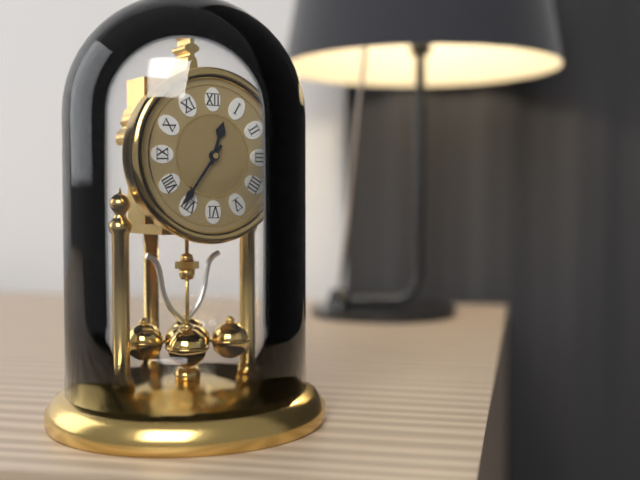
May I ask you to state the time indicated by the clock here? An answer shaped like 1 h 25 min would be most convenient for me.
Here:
12 h 36 min
